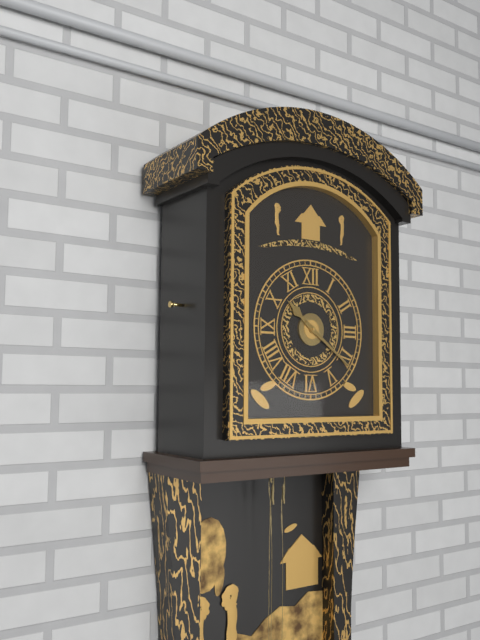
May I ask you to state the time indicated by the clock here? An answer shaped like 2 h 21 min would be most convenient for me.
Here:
10 h 21 min
